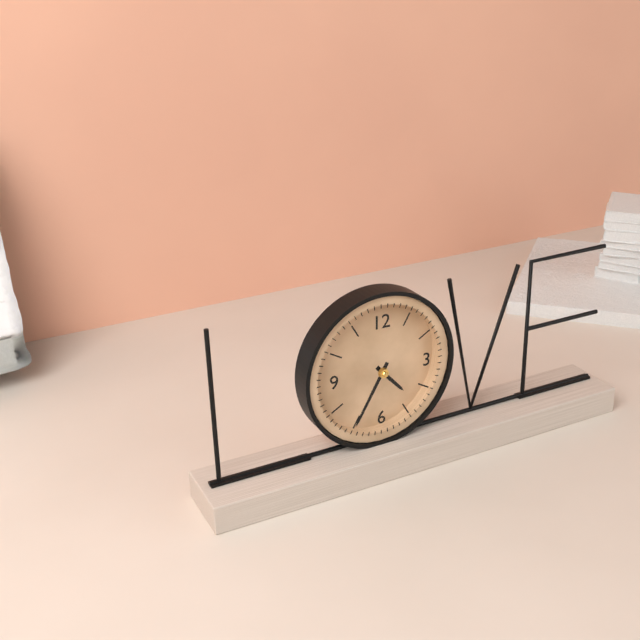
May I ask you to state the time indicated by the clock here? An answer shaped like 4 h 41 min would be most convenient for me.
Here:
4 h 35 min
